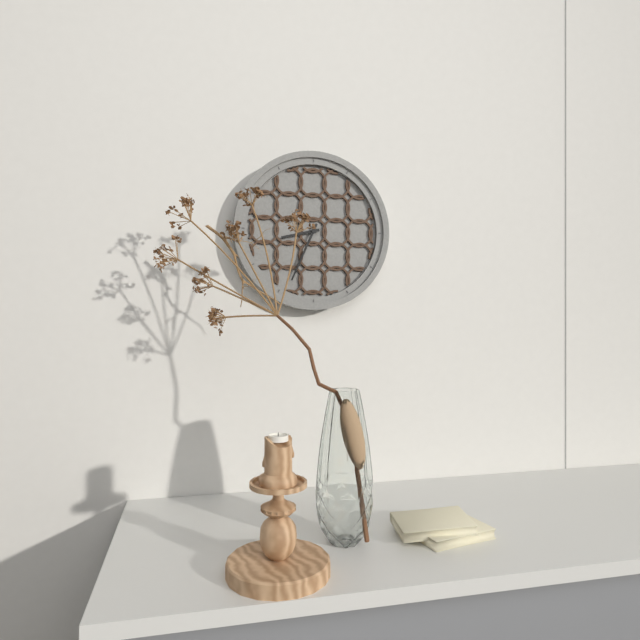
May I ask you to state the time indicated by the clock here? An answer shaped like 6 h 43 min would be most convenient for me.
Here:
8 h 34 min
